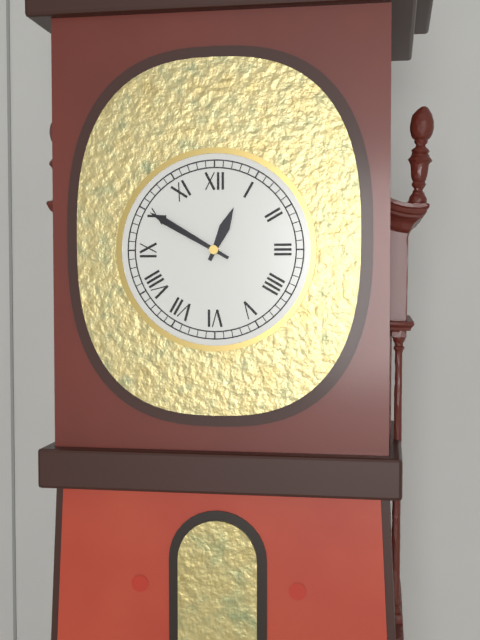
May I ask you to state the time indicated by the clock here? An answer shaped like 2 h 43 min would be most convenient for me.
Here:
12 h 50 min
